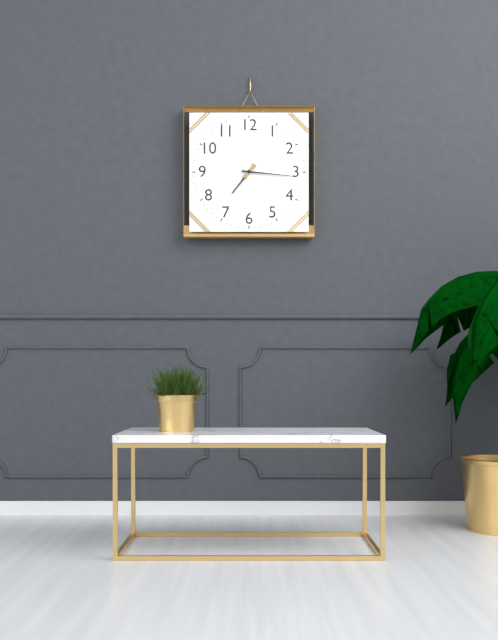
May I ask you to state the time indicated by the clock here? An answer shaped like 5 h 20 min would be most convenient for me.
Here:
7 h 16 min
